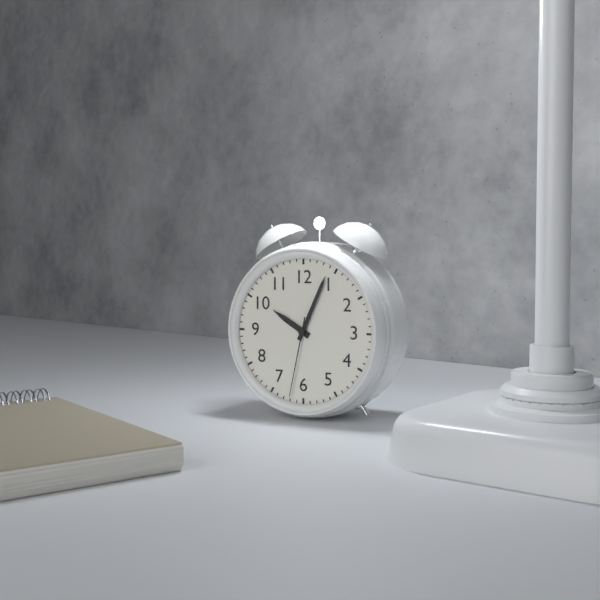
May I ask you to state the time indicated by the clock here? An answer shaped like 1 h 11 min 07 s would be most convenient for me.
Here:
10 h 04 min 32 s
